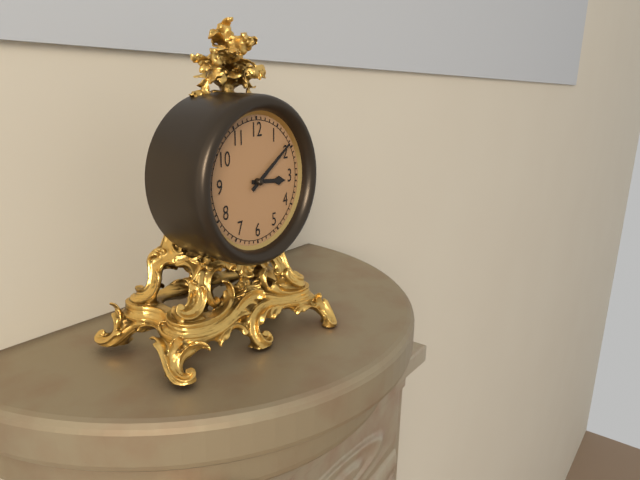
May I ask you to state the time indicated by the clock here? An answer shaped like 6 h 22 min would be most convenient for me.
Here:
3 h 09 min
